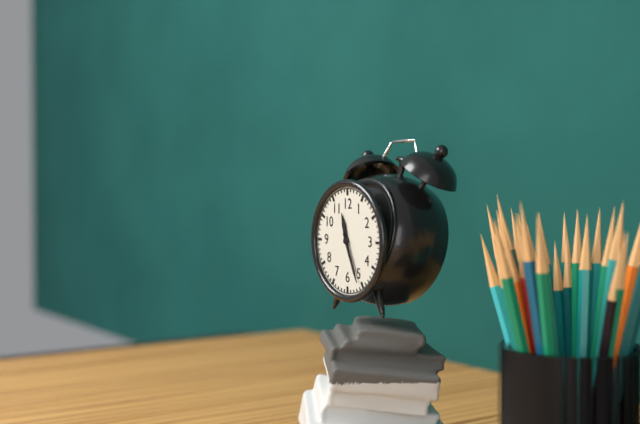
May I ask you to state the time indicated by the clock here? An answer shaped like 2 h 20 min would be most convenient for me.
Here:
11 h 26 min
